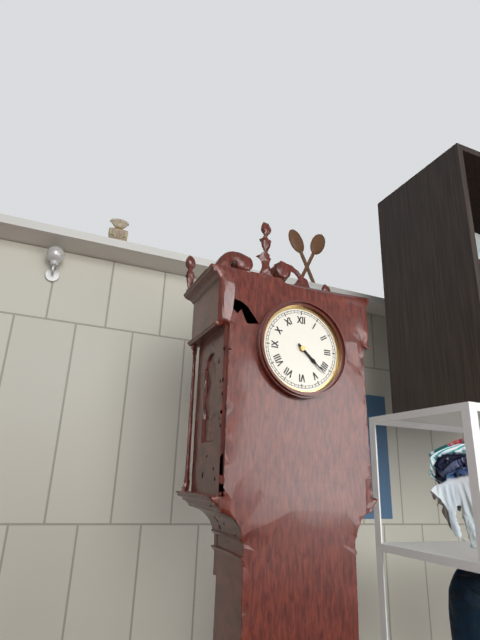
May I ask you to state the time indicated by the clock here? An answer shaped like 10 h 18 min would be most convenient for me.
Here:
4 h 22 min
